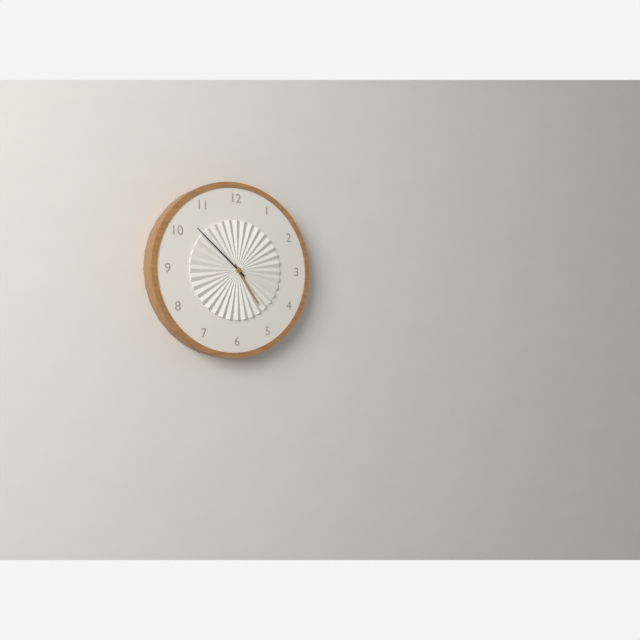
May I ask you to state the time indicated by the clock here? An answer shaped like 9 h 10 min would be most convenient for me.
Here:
4 h 52 min
